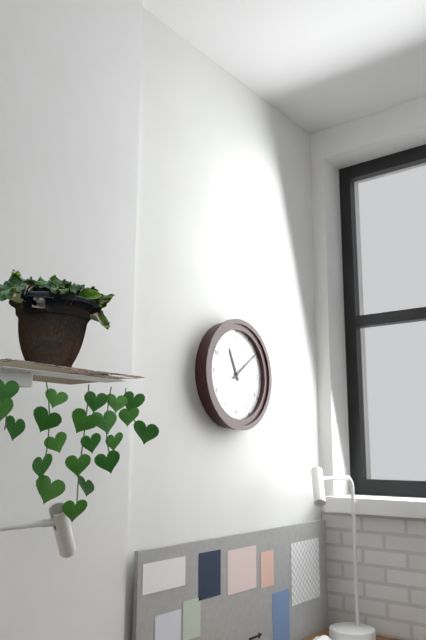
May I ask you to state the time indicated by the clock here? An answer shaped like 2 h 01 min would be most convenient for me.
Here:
11 h 09 min
